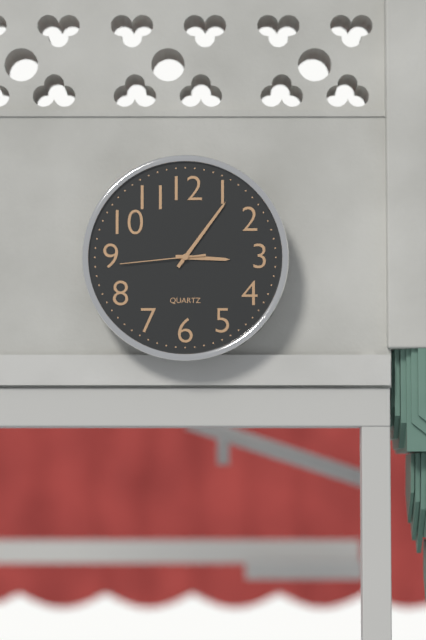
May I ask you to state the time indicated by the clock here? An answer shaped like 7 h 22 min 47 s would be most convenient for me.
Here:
3 h 06 min 44 s
